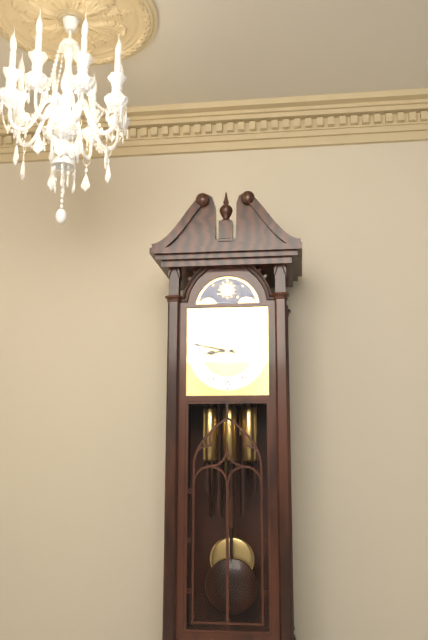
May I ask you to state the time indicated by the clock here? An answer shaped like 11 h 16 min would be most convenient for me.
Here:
8 h 47 min
